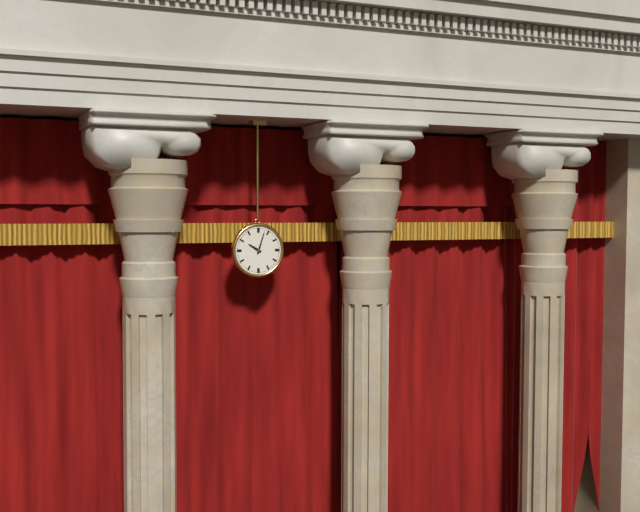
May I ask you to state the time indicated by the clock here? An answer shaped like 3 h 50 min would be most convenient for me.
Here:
10 h 03 min
